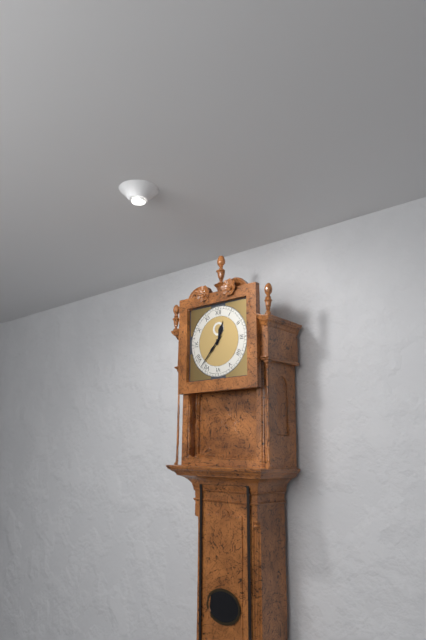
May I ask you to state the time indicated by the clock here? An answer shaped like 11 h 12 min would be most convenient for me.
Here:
12 h 37 min
